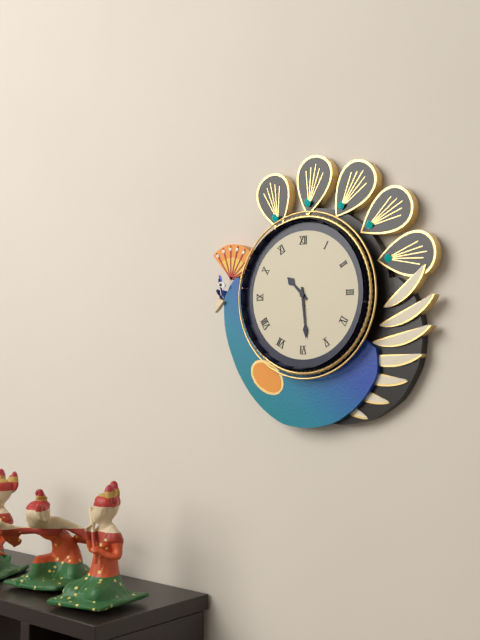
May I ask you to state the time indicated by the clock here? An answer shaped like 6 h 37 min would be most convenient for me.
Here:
10 h 29 min
